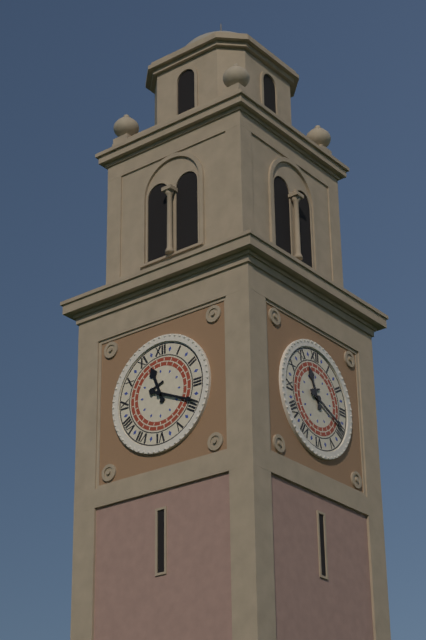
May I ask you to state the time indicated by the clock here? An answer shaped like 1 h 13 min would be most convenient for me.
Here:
11 h 19 min
